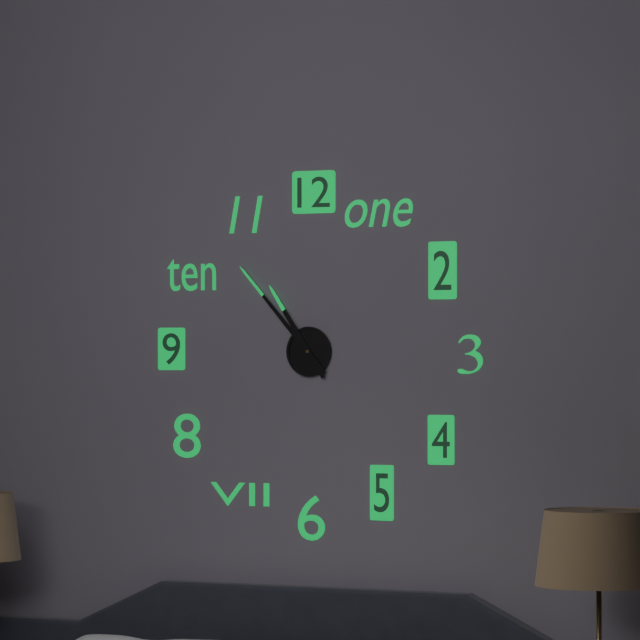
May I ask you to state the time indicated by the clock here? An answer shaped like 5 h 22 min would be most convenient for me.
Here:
10 h 53 min
